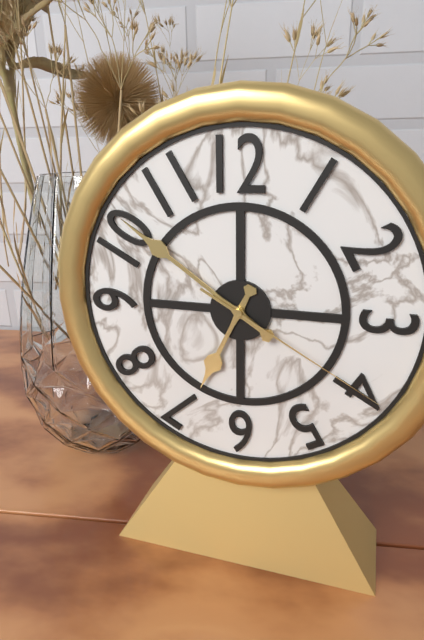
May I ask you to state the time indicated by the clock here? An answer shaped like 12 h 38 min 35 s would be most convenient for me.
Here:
6 h 51 min 20 s
